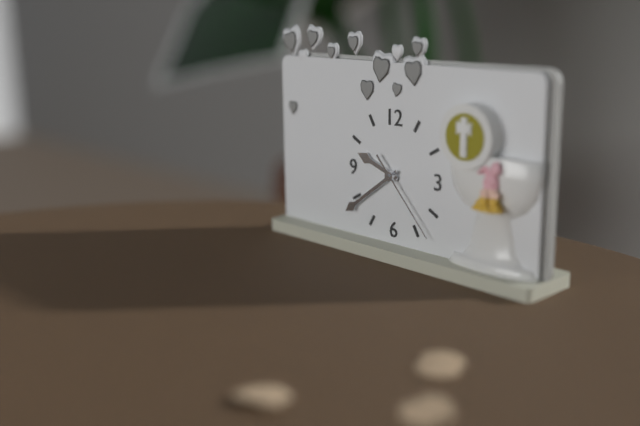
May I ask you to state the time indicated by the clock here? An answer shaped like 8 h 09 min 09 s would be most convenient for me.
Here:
9 h 39 min 23 s
